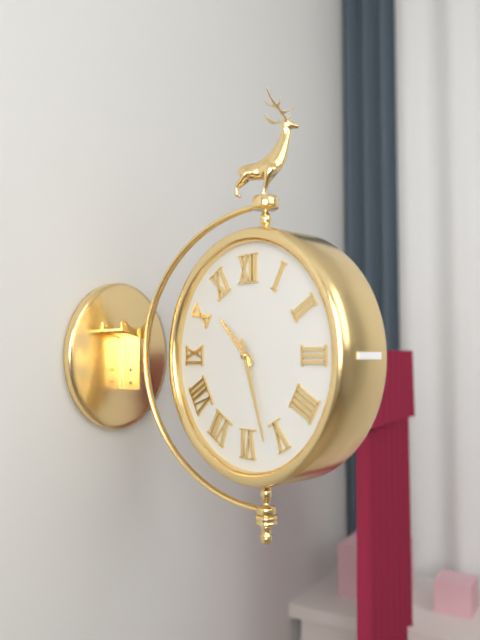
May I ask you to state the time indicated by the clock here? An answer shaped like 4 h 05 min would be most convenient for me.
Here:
10 h 27 min
